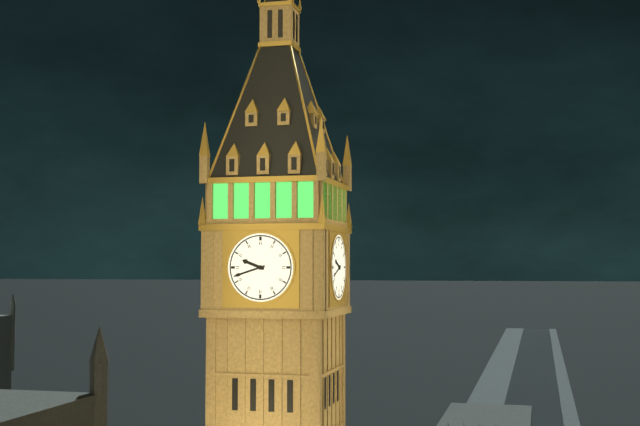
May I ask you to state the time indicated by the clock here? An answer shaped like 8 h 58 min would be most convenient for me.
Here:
9 h 42 min
